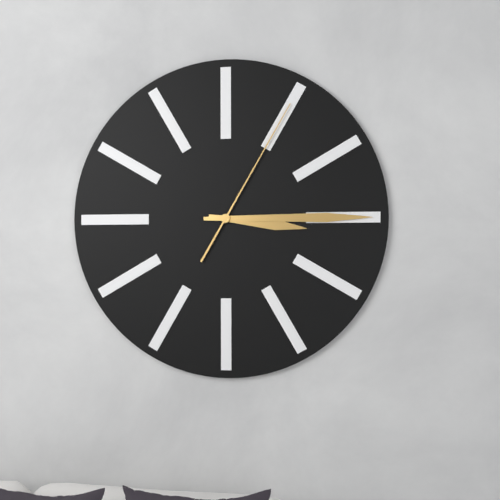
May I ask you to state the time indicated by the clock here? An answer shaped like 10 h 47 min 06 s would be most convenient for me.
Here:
3 h 15 min 05 s
